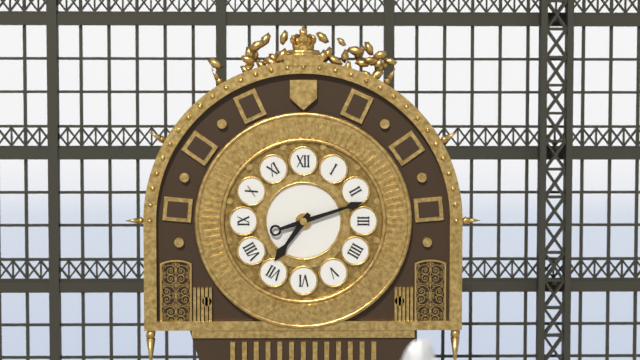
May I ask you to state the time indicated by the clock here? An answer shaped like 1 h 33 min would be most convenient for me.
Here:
7 h 12 min
